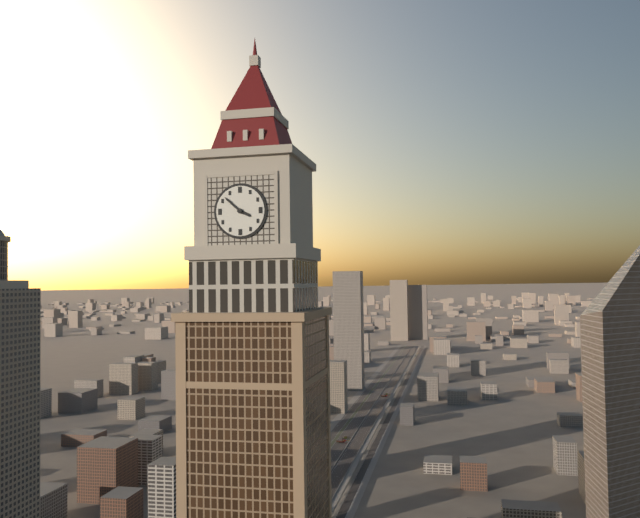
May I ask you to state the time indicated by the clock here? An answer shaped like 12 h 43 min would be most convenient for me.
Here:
3 h 52 min
